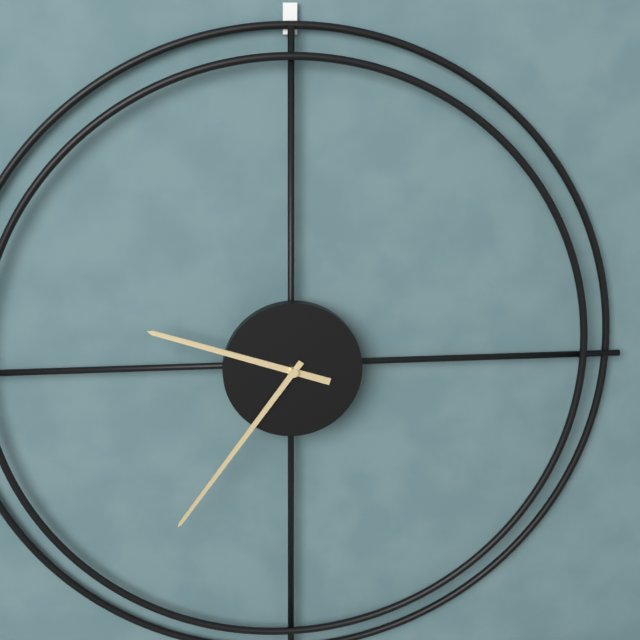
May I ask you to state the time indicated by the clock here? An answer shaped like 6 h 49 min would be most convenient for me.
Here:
9 h 36 min
